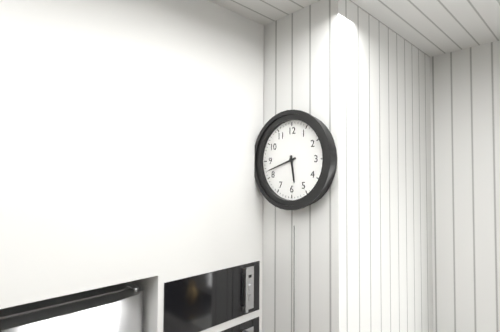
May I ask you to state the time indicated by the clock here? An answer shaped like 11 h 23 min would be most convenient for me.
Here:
5 h 42 min
